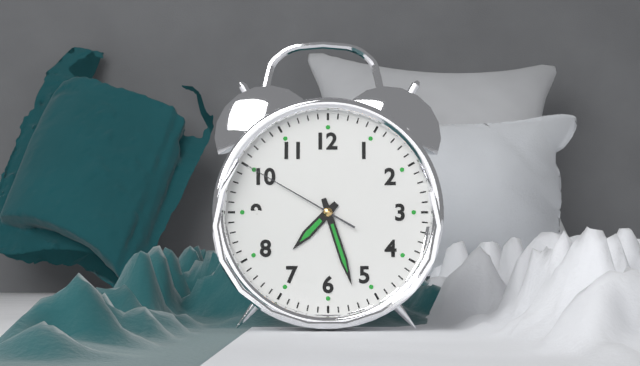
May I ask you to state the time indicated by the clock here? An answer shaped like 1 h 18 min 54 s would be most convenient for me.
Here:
7 h 27 min 50 s
